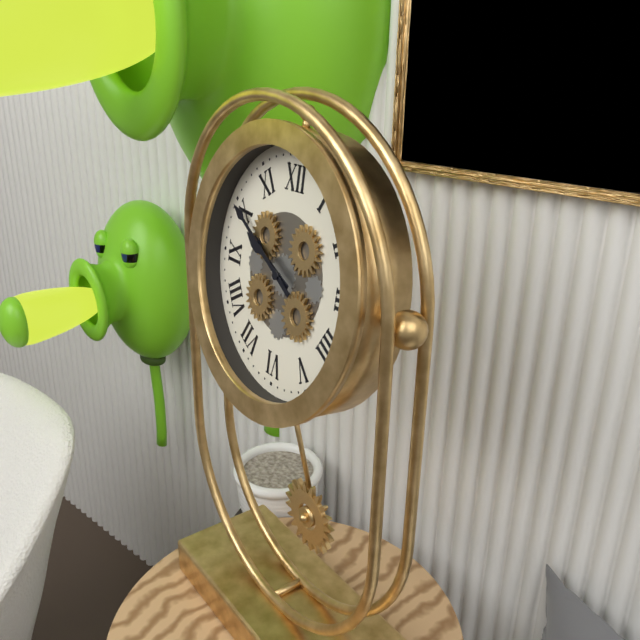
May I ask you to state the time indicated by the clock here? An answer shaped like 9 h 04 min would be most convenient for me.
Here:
9 h 50 min
